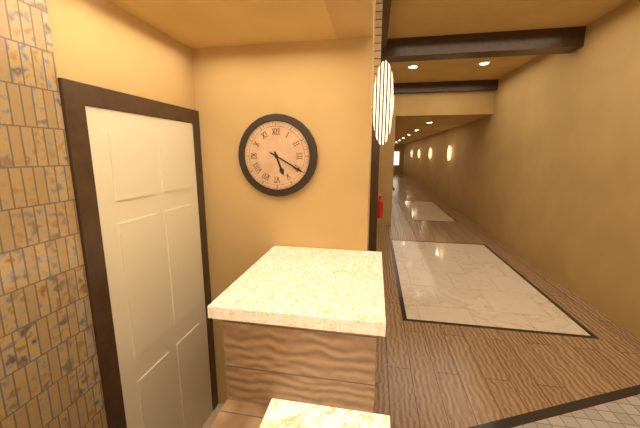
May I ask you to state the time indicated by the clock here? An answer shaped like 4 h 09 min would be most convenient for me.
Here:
5 h 20 min
